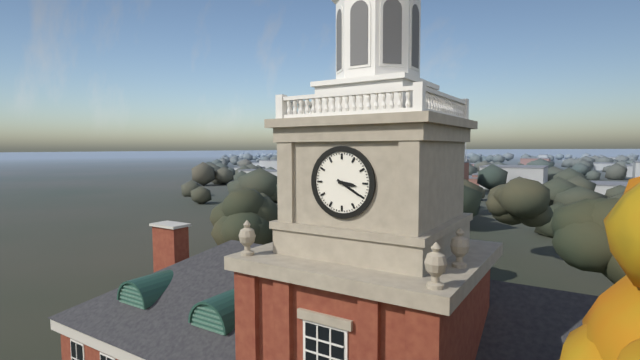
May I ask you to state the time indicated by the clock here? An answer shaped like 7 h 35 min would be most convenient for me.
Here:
3 h 20 min
